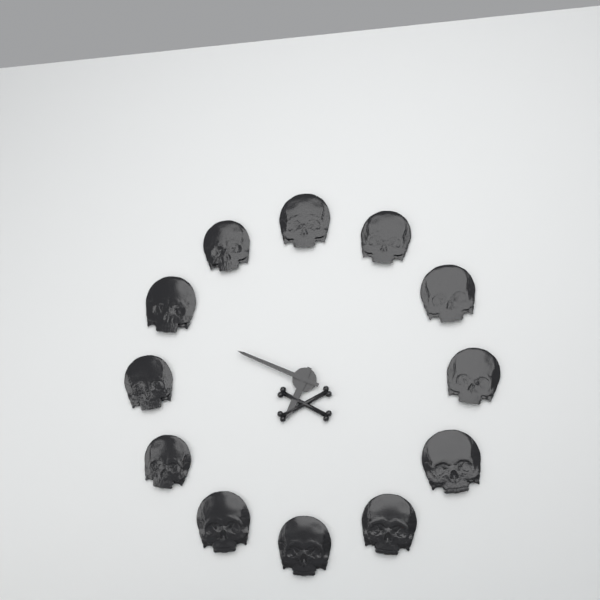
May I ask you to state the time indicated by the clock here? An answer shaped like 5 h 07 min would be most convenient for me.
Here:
6 h 49 min
